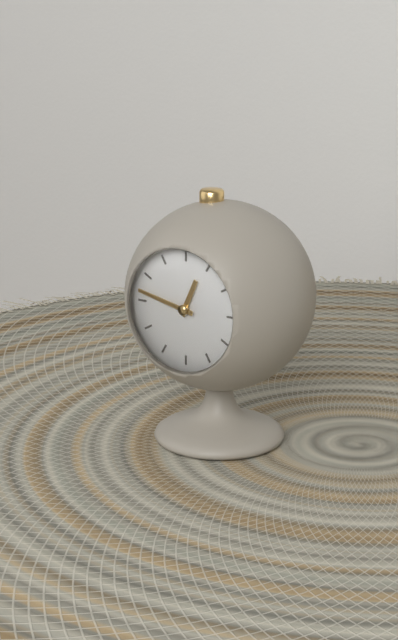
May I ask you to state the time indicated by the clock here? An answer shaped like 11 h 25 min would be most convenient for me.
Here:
12 h 47 min
